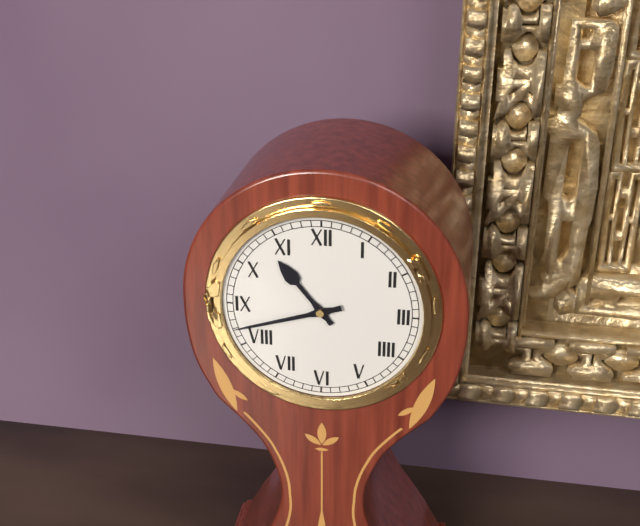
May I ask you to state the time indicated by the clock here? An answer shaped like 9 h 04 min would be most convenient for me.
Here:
10 h 42 min
